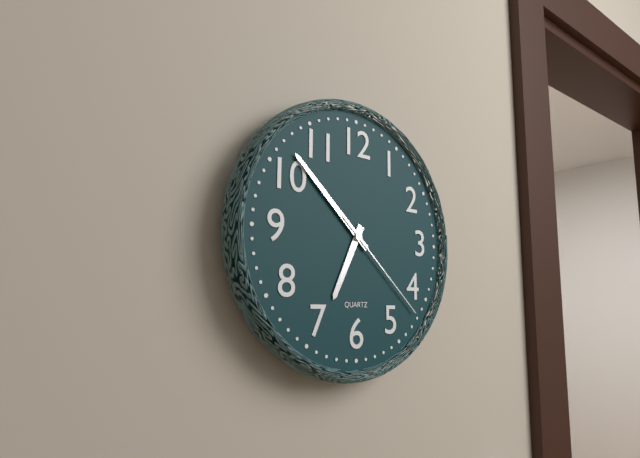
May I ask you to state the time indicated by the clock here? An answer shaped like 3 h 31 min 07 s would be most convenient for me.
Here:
6 h 52 min 22 s
